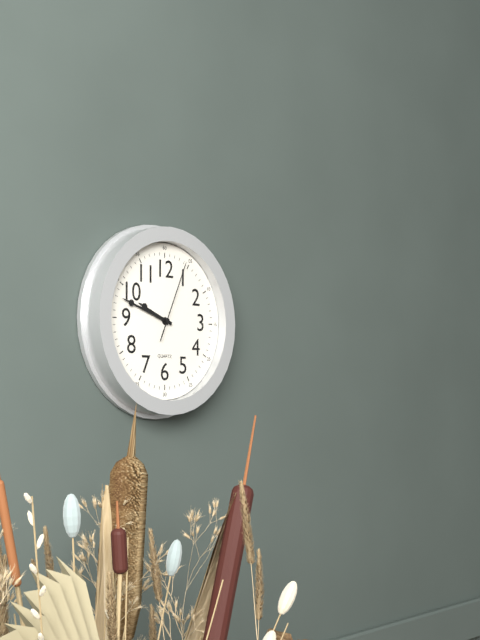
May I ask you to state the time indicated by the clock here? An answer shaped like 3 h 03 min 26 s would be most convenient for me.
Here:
9 h 48 min 04 s
